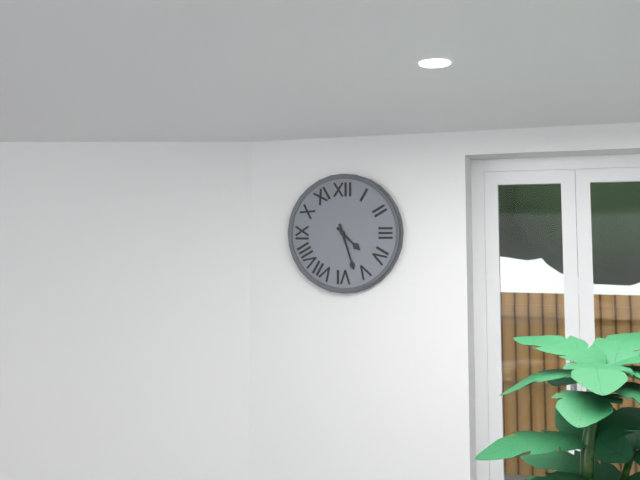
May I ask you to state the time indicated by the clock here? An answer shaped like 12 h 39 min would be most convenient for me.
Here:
4 h 27 min
